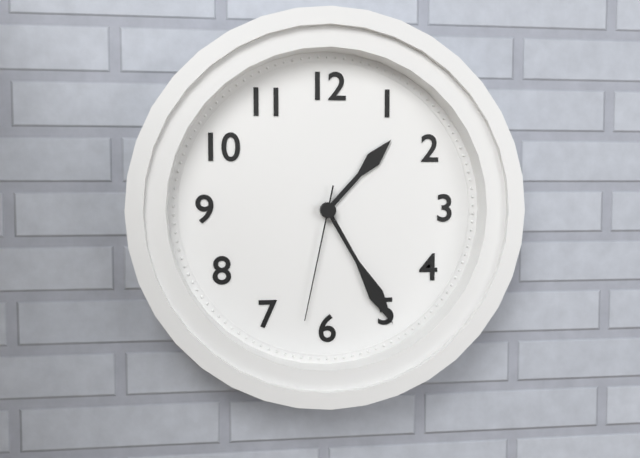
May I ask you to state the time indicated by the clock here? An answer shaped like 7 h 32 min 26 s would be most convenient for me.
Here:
1 h 25 min 32 s
